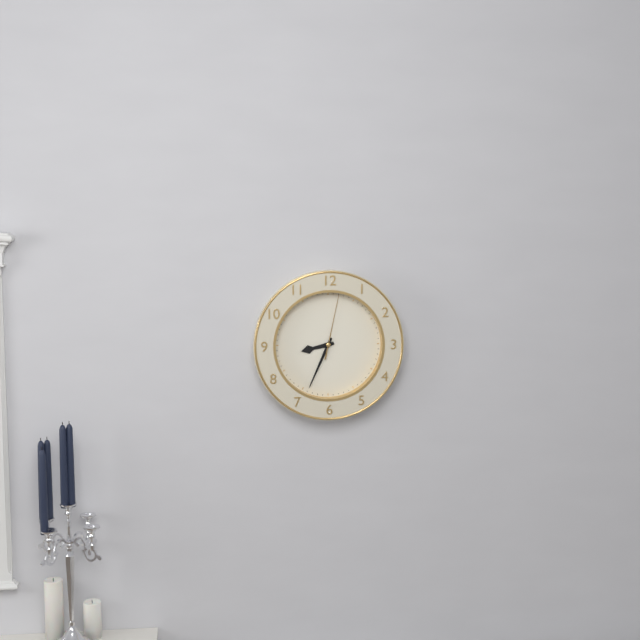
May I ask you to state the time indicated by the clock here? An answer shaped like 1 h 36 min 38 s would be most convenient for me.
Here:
8 h 34 min 02 s
